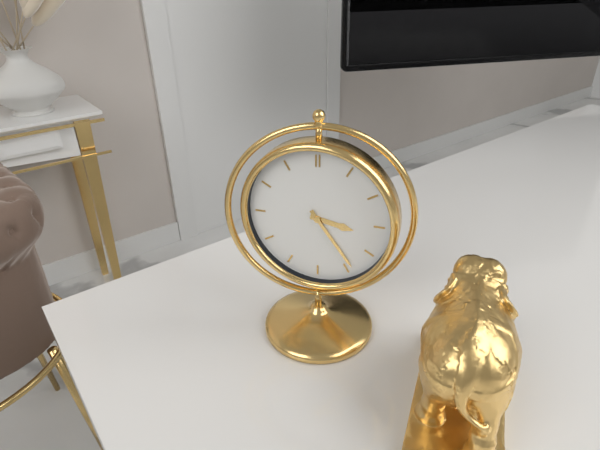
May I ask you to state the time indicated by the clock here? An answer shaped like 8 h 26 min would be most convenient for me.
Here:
3 h 24 min
